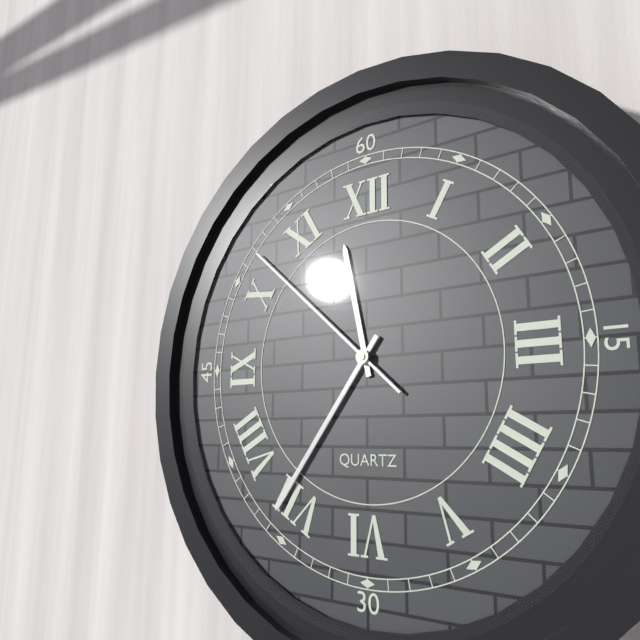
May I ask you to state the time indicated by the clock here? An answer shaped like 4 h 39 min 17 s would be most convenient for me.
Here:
11 h 36 min 52 s
